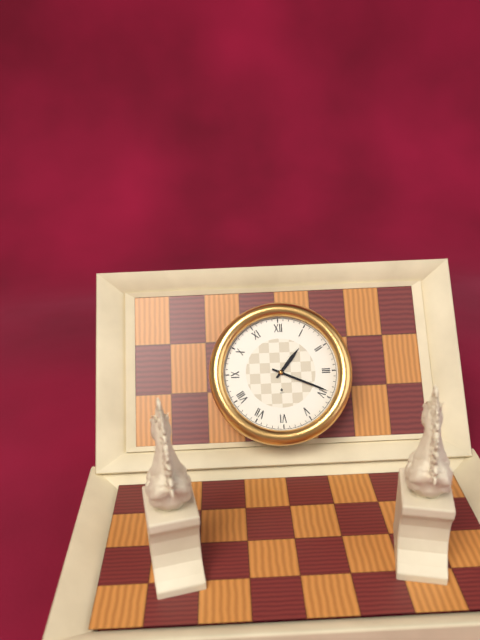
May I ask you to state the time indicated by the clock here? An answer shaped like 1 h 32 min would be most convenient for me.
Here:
1 h 19 min
